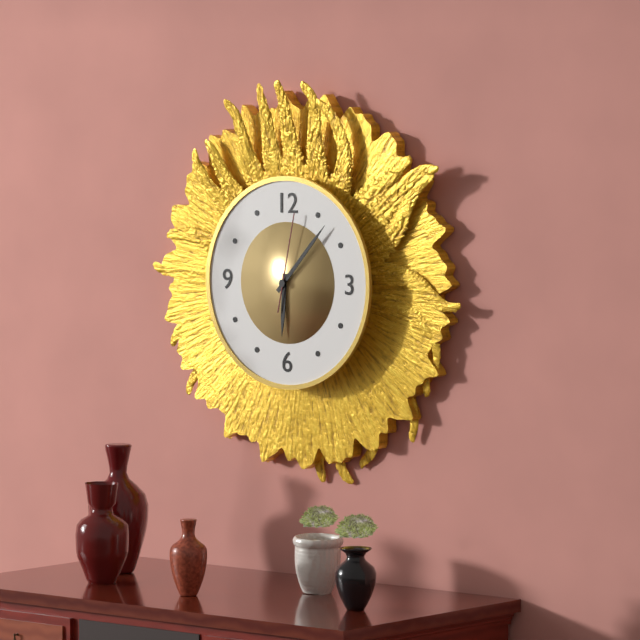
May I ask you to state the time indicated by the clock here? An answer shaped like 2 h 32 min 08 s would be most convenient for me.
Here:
6 h 07 min 02 s
